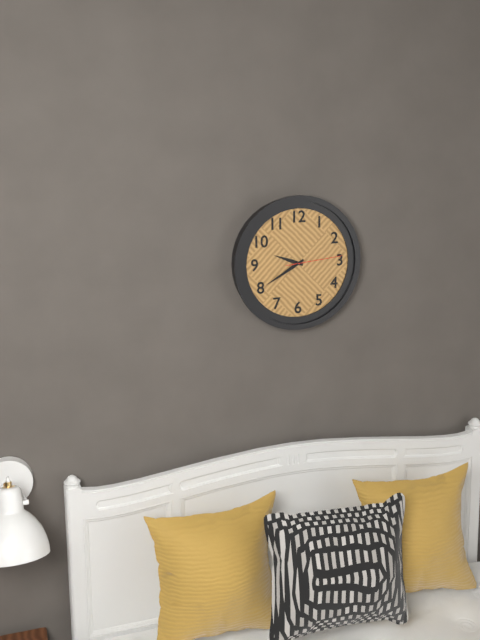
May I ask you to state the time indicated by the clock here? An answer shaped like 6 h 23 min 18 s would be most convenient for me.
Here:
9 h 40 min 14 s
